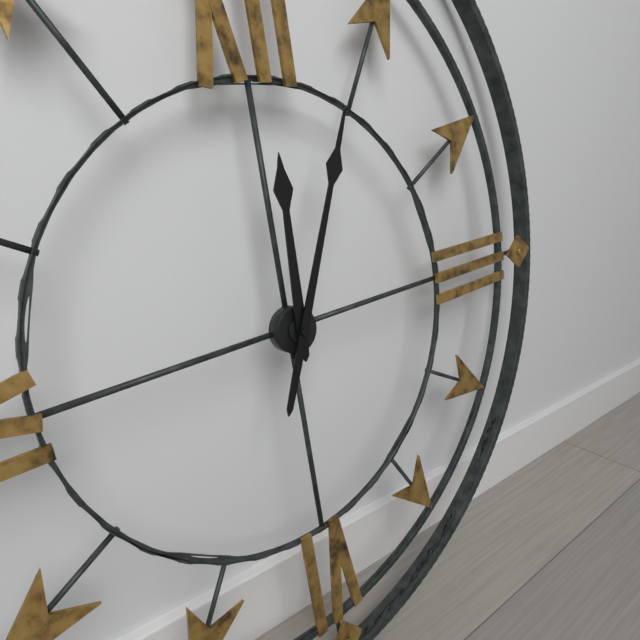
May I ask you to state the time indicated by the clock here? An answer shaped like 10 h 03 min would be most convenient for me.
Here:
12 h 04 min
